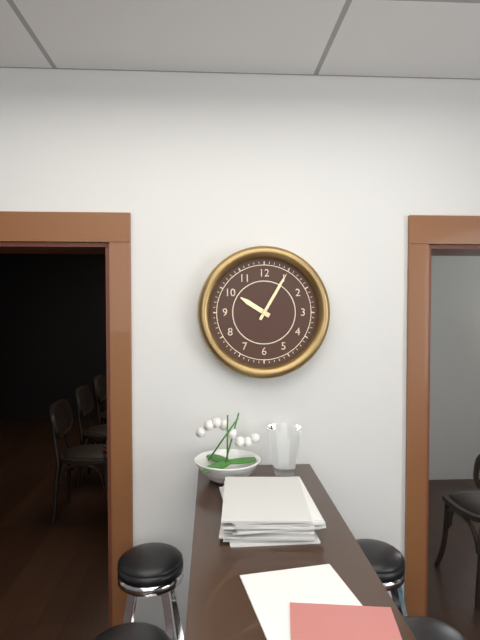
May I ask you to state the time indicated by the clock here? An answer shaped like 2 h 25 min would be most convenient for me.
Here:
10 h 05 min
